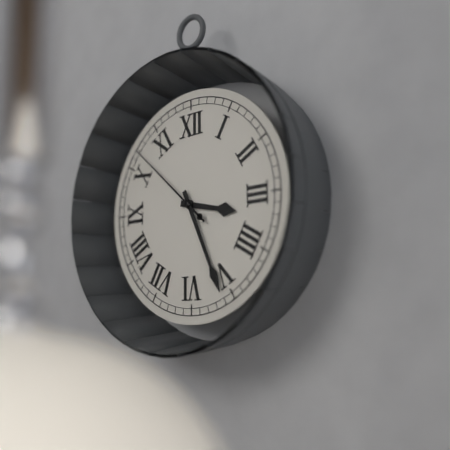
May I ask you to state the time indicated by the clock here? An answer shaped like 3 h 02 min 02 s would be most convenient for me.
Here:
3 h 26 min 52 s
